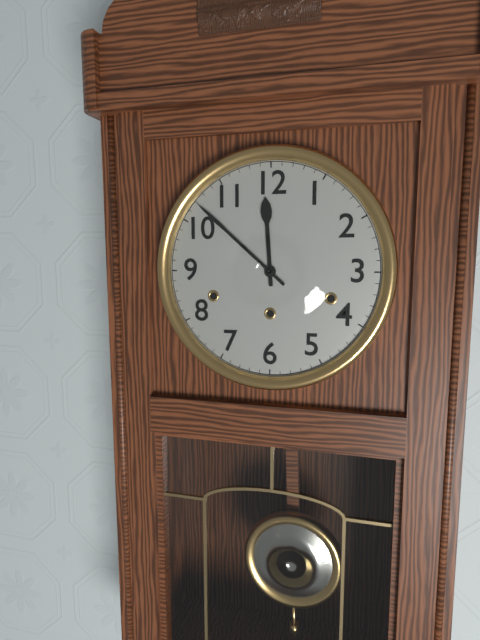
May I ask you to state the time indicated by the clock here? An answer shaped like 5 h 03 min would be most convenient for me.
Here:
11 h 52 min
